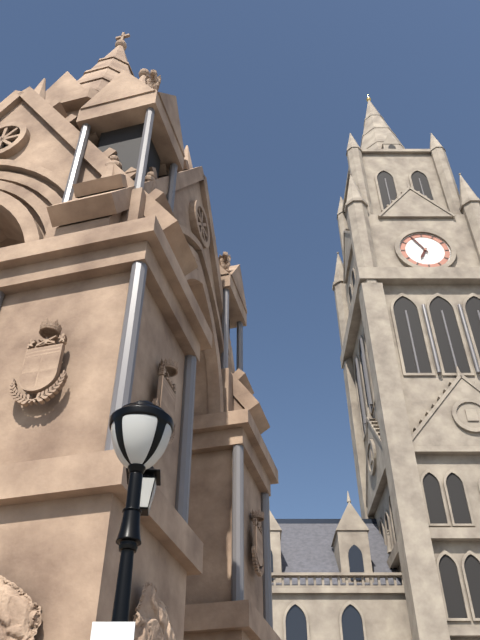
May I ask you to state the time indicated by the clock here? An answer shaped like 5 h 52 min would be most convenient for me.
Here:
6 h 55 min
